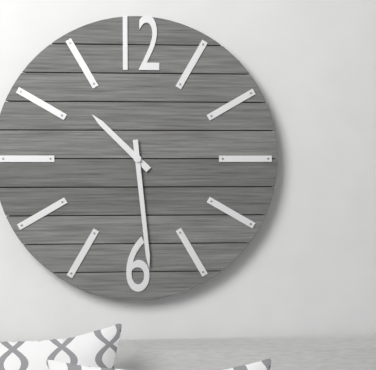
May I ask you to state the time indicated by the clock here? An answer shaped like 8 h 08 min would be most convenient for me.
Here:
10 h 29 min
